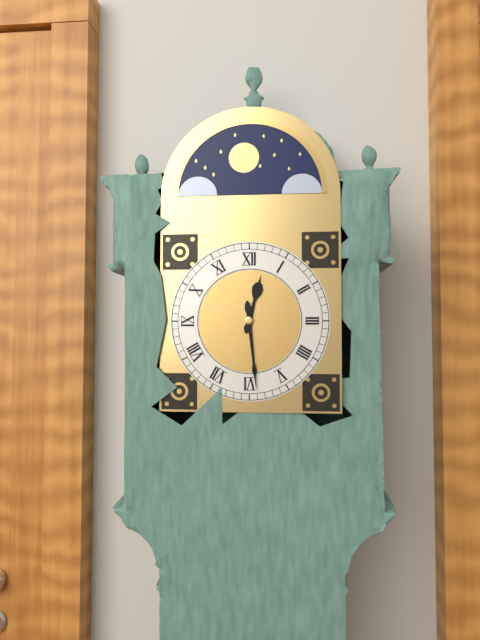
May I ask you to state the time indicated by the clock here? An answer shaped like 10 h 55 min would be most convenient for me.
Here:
12 h 29 min
